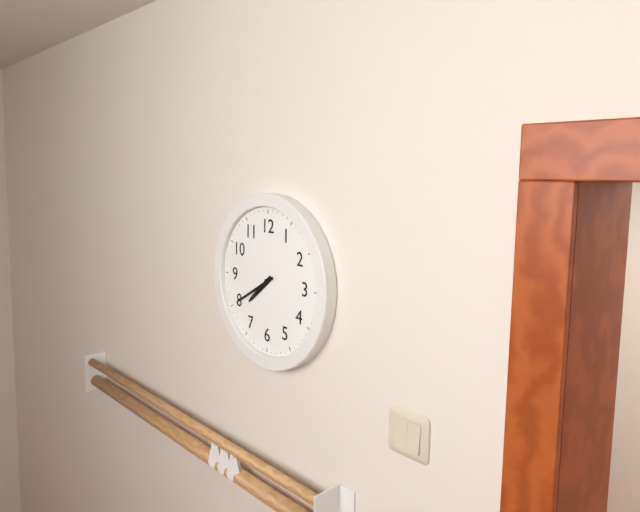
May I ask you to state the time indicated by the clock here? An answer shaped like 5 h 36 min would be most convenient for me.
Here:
7 h 40 min
